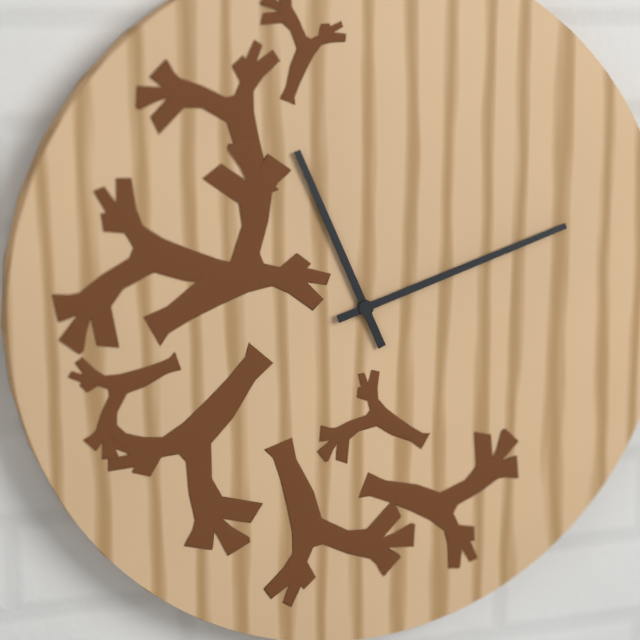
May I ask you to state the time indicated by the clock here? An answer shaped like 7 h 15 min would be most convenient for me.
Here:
11 h 12 min
